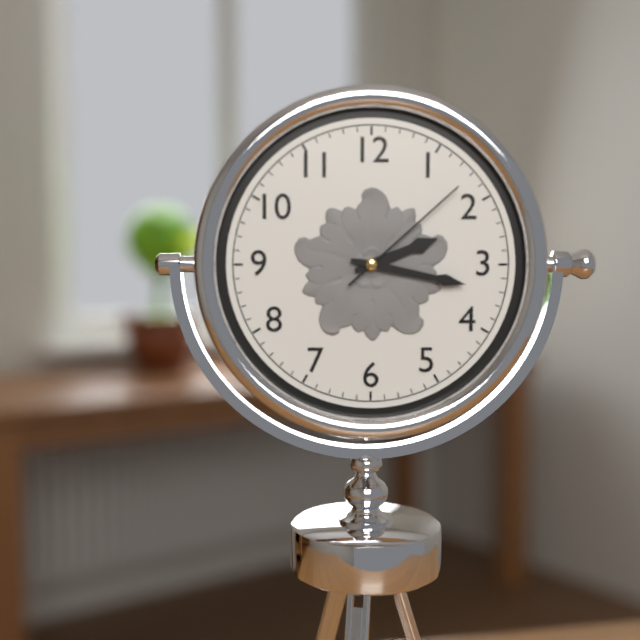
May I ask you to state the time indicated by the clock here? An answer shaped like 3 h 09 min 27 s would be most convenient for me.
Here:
2 h 17 min 08 s
